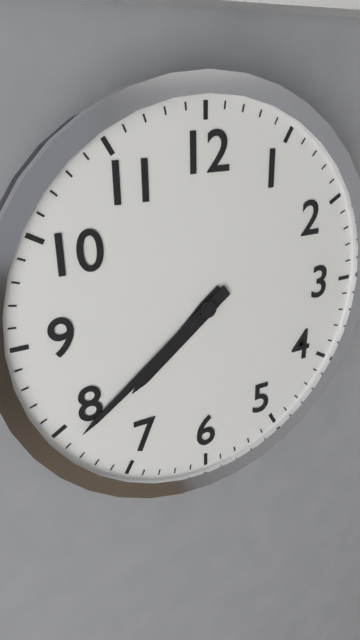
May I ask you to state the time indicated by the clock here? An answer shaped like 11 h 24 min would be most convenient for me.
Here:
7 h 39 min
